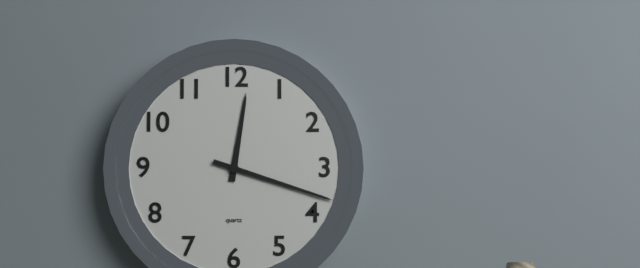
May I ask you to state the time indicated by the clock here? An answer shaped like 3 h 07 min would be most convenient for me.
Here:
12 h 18 min
